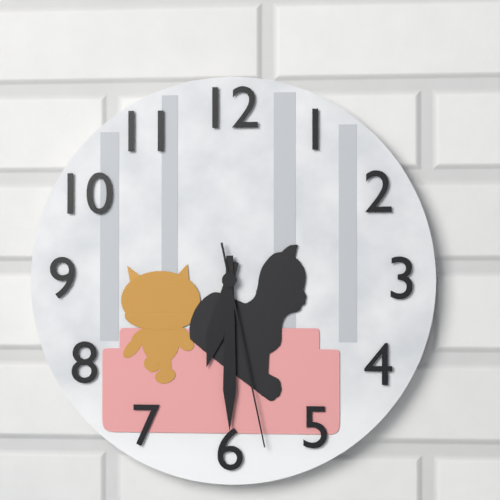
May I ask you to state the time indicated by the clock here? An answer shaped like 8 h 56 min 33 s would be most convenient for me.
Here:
6 h 30 min 28 s
